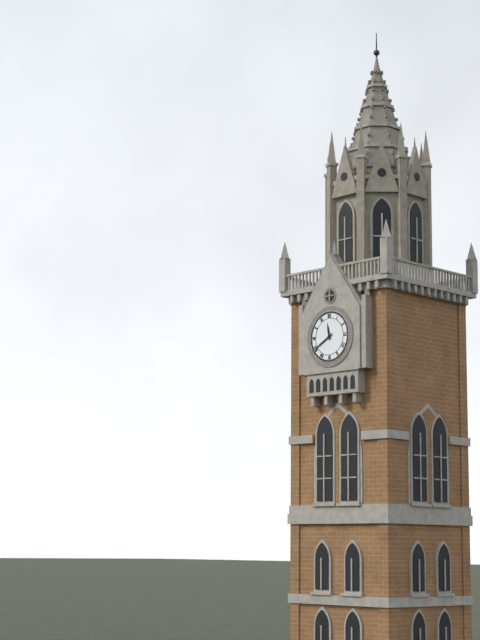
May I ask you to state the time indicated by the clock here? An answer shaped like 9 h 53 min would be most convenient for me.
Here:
11 h 40 min
